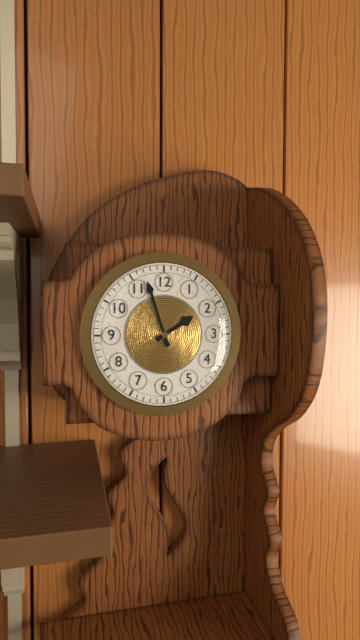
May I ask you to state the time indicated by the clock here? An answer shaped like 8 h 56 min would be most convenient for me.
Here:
1 h 57 min
